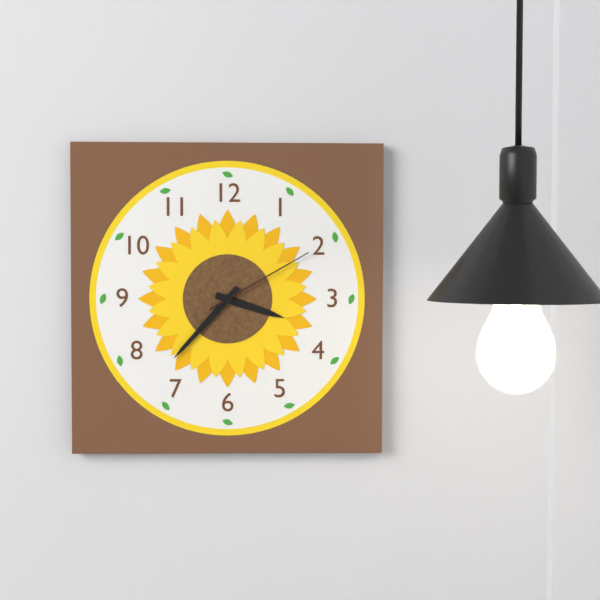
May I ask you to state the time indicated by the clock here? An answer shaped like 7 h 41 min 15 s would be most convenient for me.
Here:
3 h 37 min 10 s
